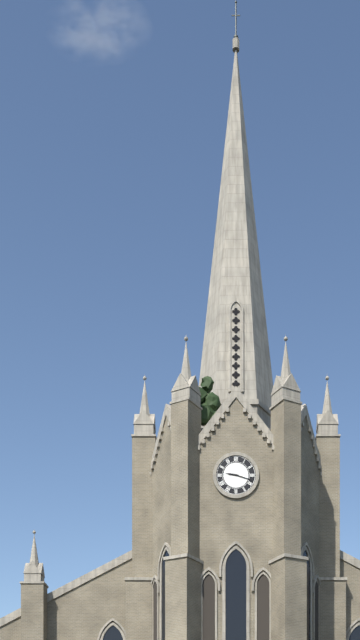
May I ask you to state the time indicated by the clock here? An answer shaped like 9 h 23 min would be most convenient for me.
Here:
9 h 18 min
